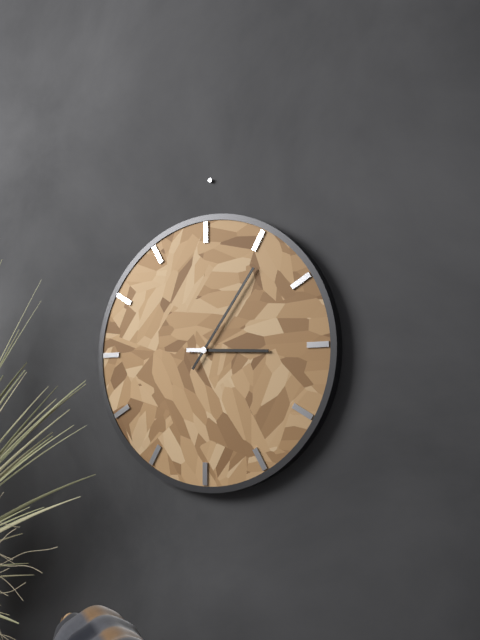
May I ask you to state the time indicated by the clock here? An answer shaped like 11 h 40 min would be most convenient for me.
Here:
3 h 06 min
